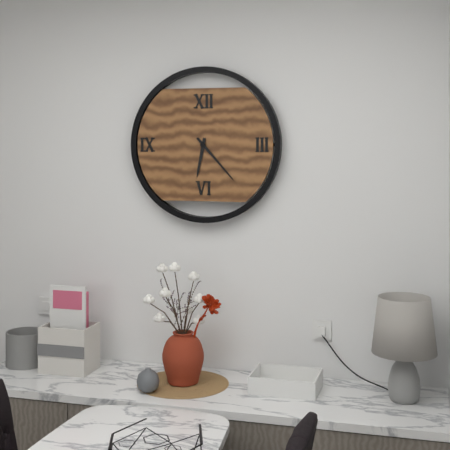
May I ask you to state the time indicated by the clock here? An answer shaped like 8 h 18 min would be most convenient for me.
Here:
6 h 23 min
